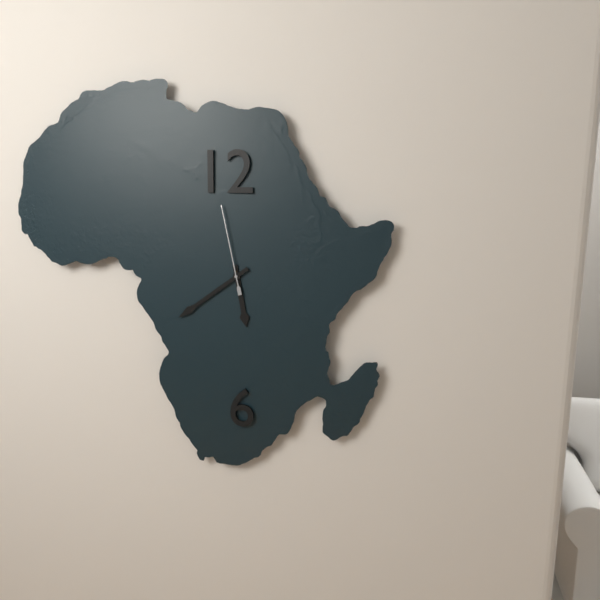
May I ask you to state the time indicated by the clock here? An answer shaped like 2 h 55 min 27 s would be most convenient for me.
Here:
5 h 39 min 58 s
